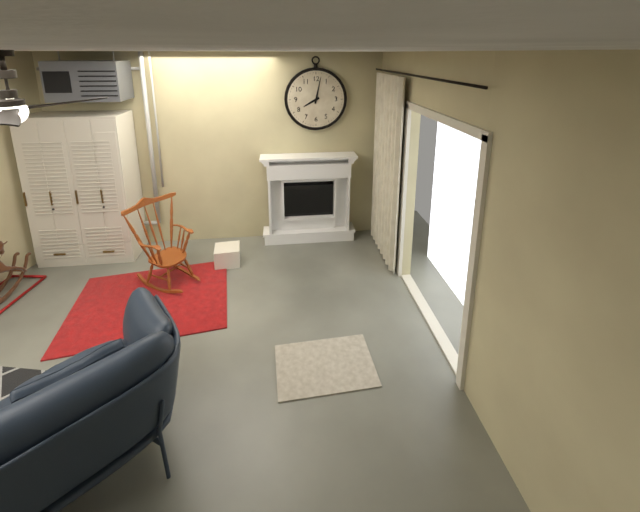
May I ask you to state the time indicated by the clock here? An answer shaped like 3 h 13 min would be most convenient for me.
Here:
8 h 02 min
